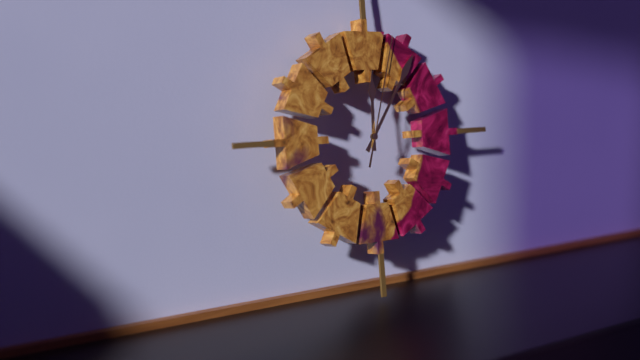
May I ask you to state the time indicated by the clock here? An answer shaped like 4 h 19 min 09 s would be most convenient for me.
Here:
12 h 06 min 03 s
